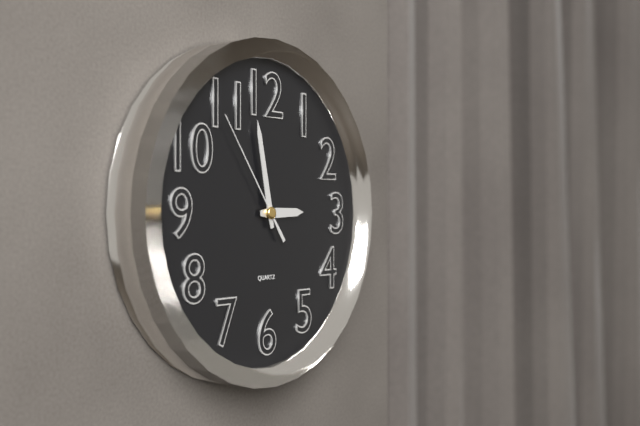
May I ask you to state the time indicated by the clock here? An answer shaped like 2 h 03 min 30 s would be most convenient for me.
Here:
2 h 58 min 54 s
